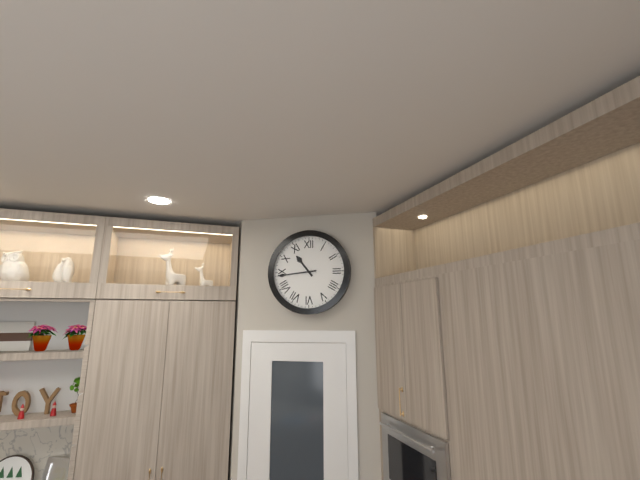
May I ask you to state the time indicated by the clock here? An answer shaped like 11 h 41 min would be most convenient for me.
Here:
10 h 44 min
